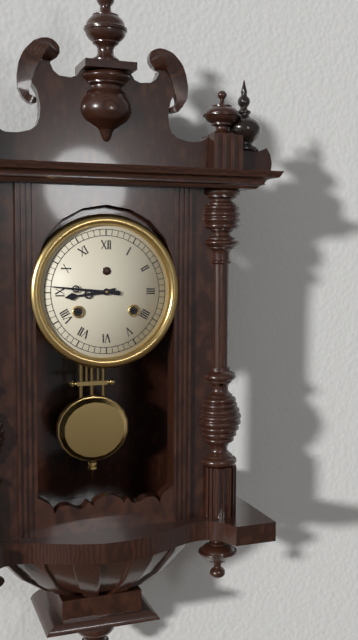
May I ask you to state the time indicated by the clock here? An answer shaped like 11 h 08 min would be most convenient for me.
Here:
8 h 46 min
